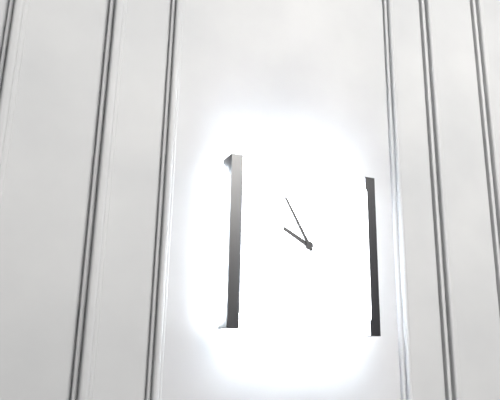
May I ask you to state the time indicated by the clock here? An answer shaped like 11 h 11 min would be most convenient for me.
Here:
9 h 55 min
